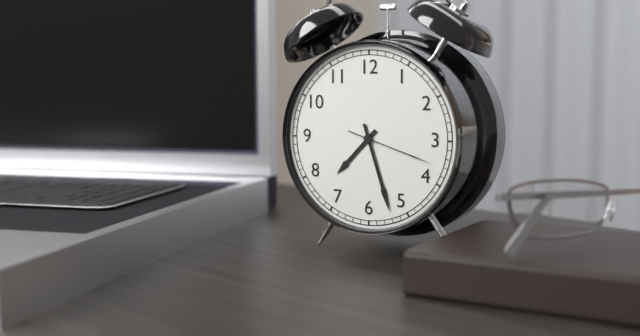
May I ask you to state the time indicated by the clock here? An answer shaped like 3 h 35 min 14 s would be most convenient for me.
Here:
7 h 27 min 18 s
